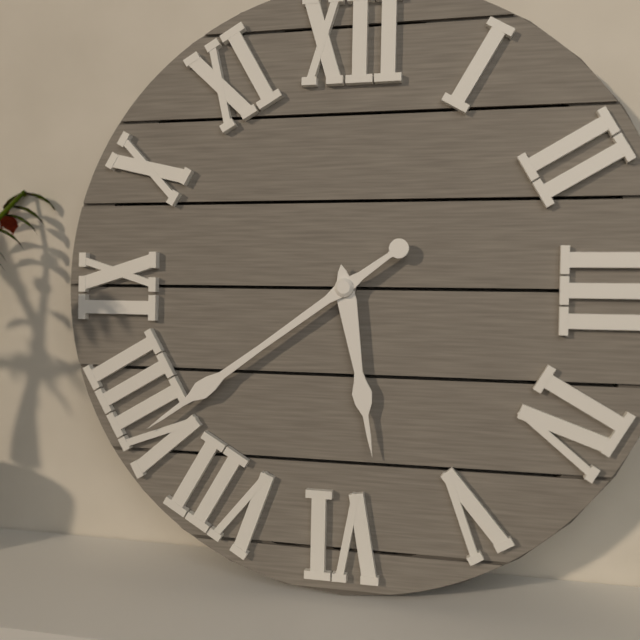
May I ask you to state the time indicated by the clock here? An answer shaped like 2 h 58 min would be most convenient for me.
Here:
5 h 39 min
